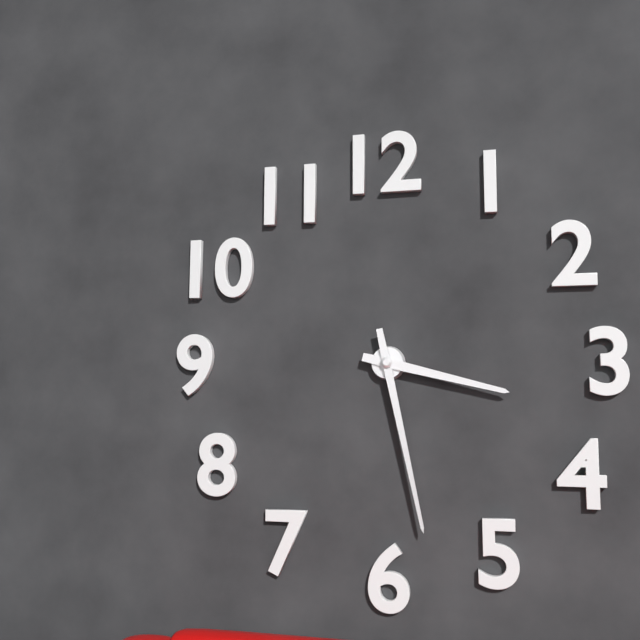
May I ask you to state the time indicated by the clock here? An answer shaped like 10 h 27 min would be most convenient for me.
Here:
3 h 28 min
